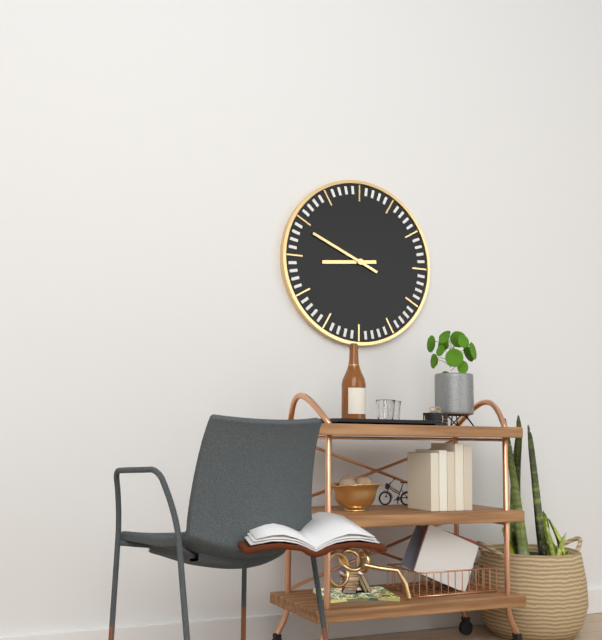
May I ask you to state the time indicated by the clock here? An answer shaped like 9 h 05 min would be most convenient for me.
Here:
8 h 49 min
